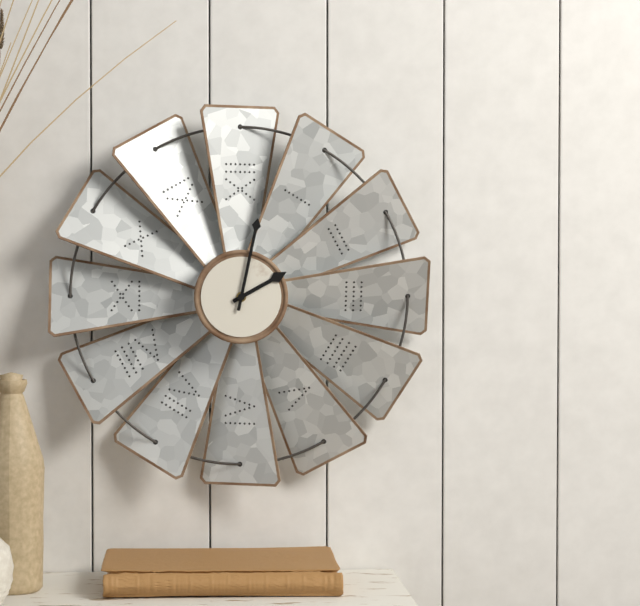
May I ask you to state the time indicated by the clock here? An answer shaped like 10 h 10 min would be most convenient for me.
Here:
2 h 02 min
